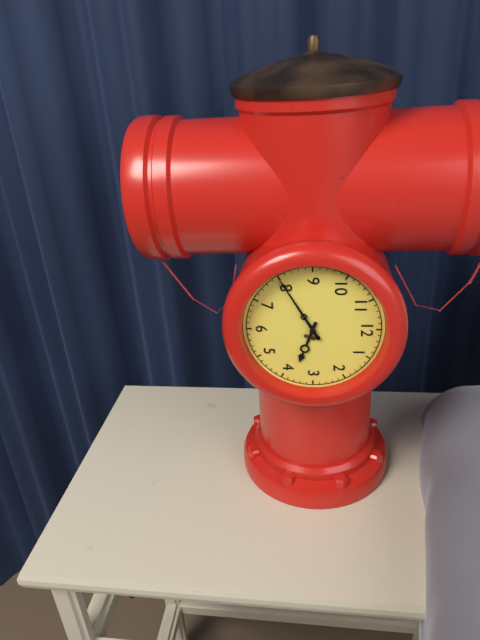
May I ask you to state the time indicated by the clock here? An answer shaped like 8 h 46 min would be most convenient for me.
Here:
3 h 40 min
